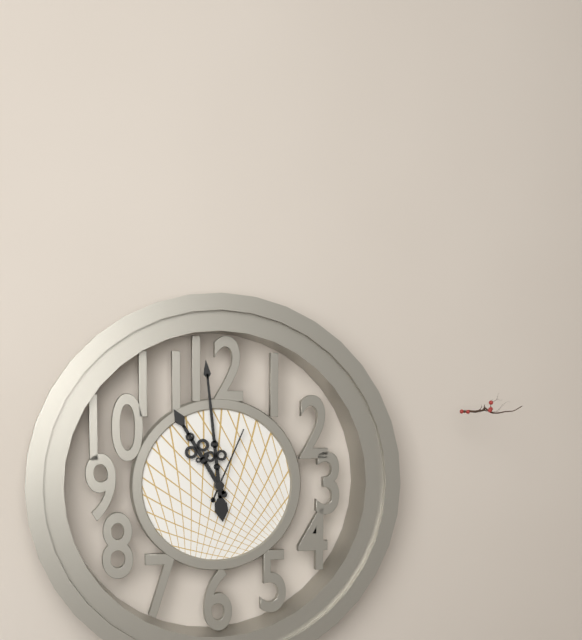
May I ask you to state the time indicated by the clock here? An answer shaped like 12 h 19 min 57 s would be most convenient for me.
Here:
10 h 59 min 04 s
